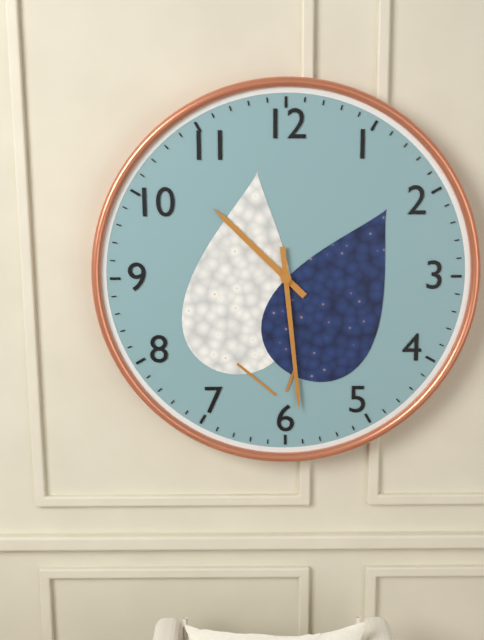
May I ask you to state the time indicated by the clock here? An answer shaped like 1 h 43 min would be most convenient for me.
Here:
10 h 29 min
